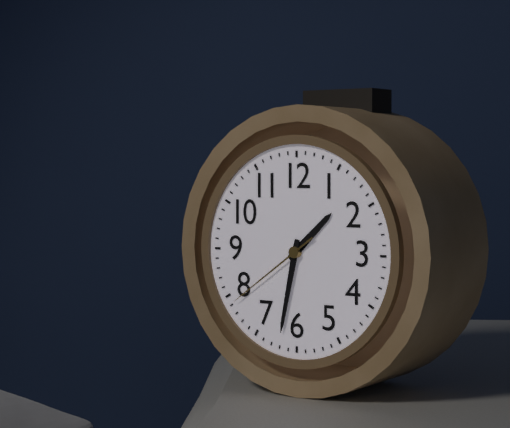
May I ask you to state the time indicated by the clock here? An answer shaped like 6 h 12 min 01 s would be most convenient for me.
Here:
1 h 32 min 39 s
